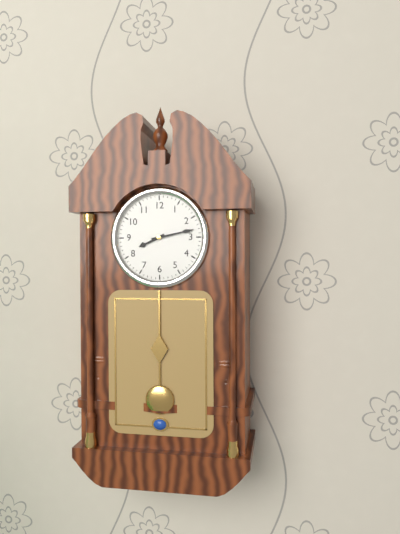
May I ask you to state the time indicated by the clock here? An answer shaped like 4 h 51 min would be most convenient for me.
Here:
8 h 13 min
